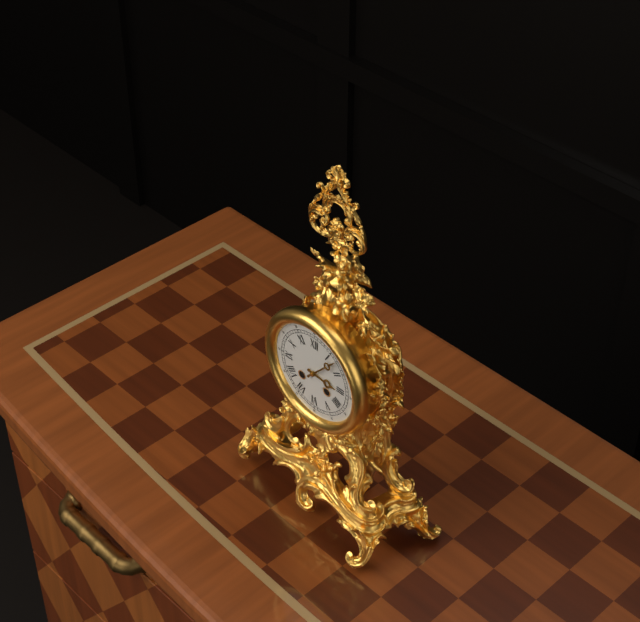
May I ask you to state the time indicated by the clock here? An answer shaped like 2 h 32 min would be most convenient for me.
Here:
3 h 07 min
